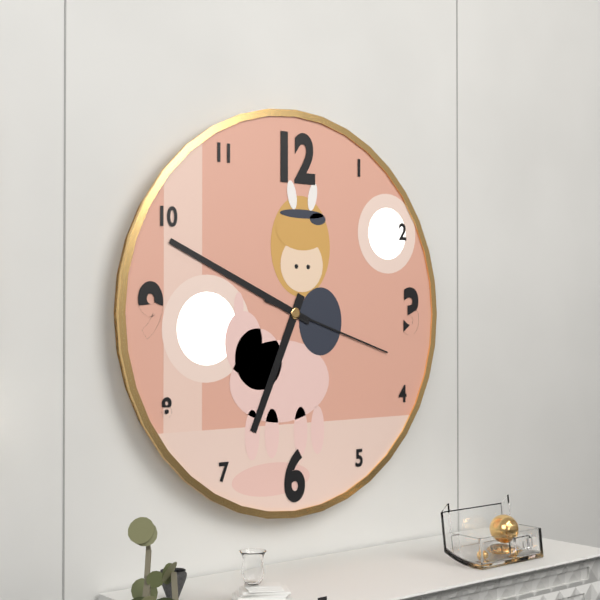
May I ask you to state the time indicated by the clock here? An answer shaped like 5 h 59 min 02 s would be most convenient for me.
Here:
6 h 49 min 18 s
